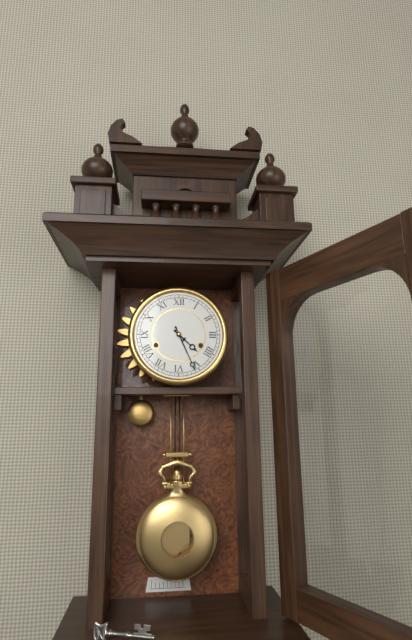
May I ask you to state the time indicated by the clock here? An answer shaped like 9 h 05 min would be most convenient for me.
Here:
4 h 26 min
